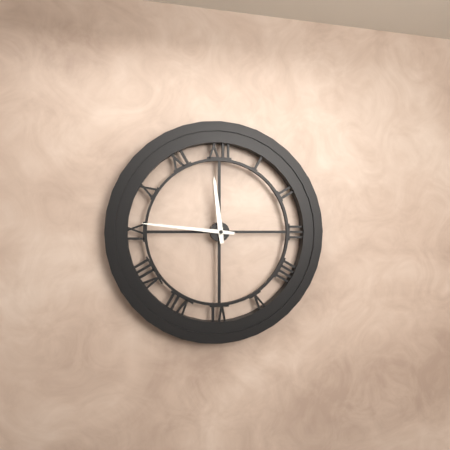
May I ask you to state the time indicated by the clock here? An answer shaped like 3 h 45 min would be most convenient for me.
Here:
11 h 46 min
